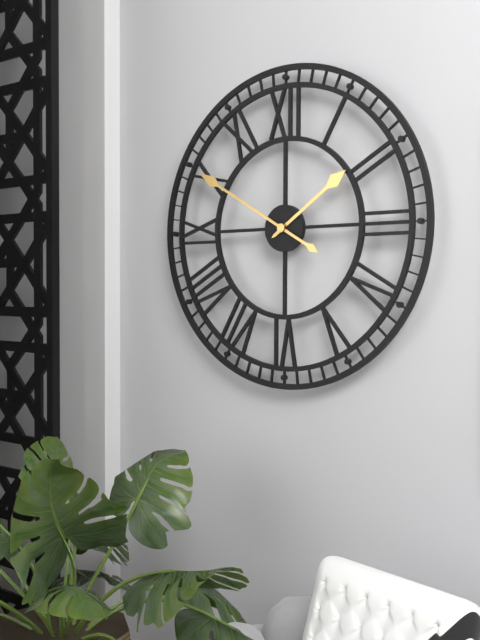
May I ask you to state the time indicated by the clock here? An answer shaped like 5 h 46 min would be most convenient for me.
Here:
1 h 50 min
